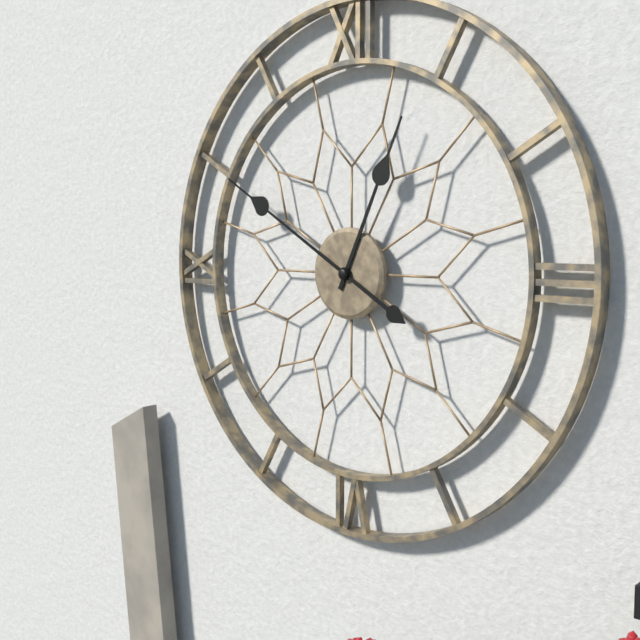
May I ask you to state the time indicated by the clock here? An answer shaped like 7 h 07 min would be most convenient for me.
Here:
12 h 50 min
